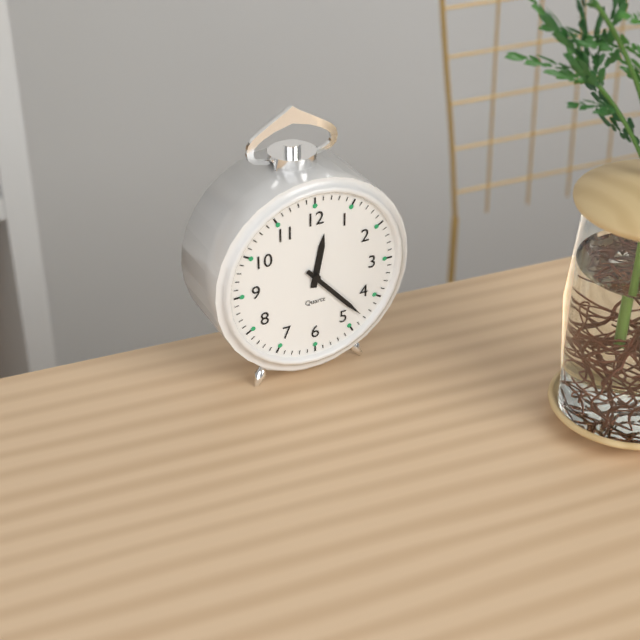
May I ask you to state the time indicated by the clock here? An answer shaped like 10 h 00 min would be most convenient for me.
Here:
12 h 23 min
